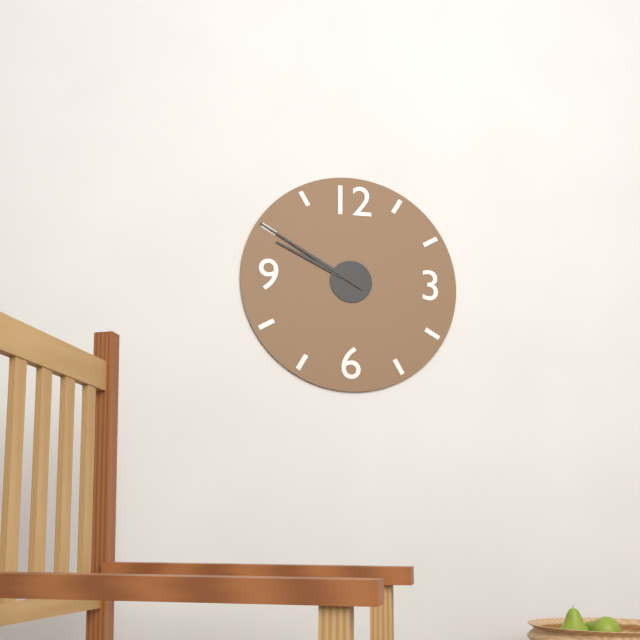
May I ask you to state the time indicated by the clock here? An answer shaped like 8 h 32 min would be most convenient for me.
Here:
9 h 50 min
